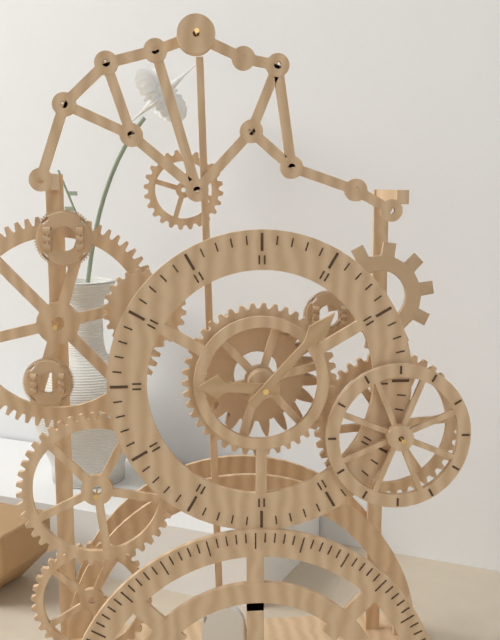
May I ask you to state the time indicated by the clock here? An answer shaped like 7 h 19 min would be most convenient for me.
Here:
9 h 07 min
